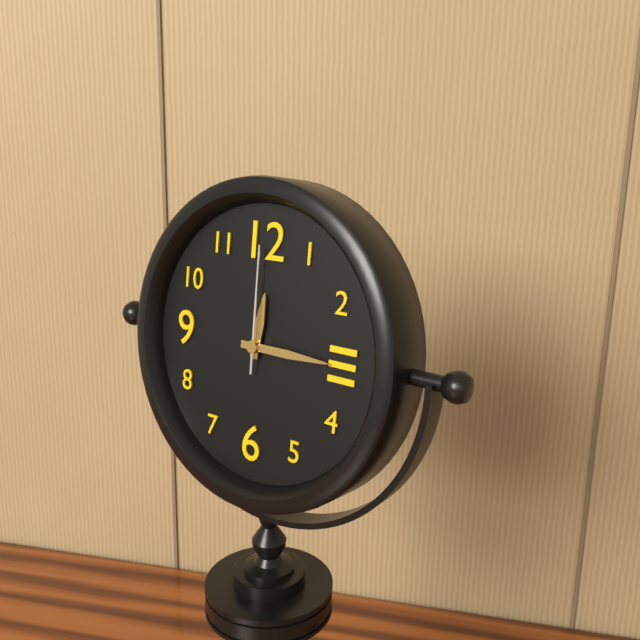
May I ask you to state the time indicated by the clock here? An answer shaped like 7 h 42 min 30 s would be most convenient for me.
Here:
12 h 15 min 00 s
